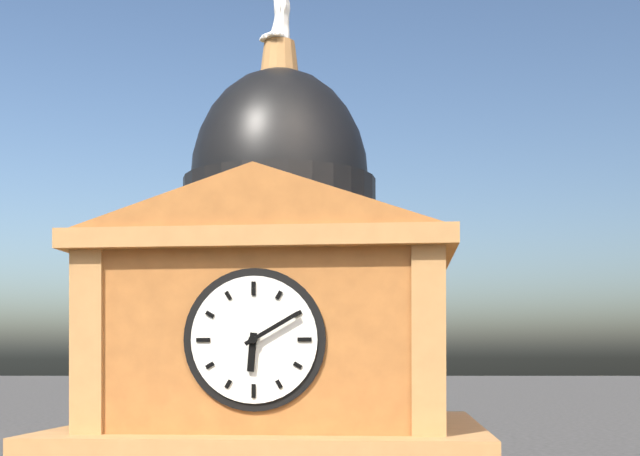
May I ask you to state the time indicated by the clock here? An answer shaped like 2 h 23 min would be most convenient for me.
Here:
6 h 10 min
